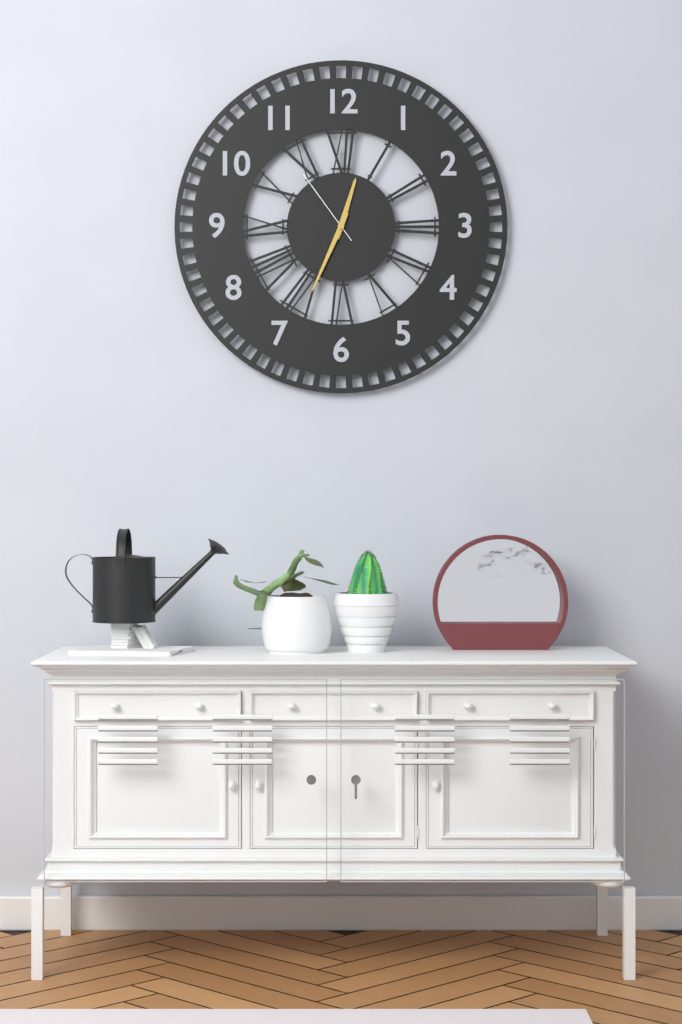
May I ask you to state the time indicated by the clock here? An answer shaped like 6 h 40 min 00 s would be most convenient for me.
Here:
12 h 34 min 54 s
